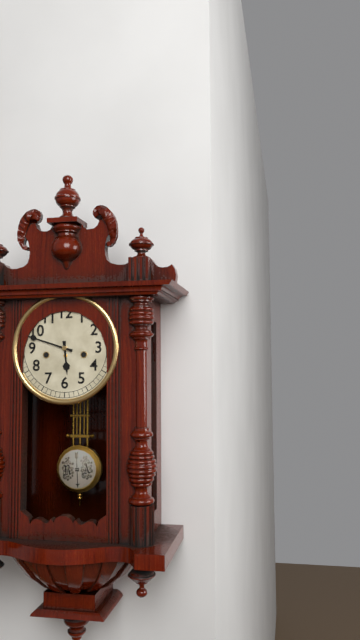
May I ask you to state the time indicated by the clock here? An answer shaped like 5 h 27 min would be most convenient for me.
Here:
5 h 48 min
